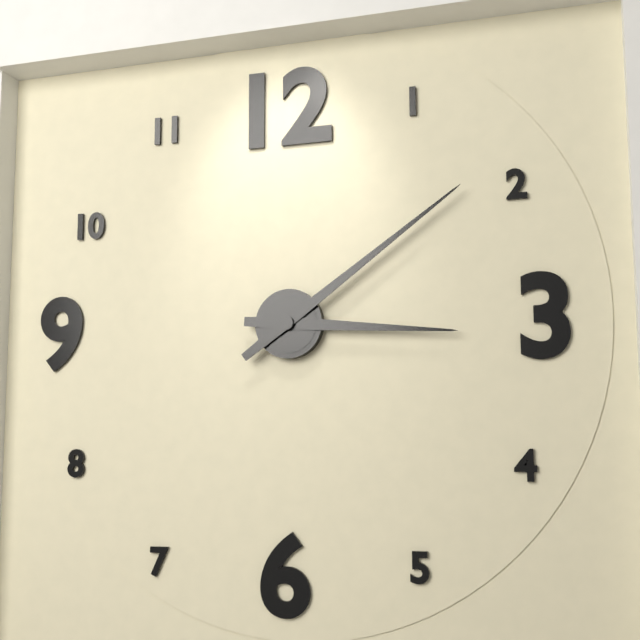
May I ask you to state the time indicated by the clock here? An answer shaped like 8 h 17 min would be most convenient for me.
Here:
3 h 09 min
